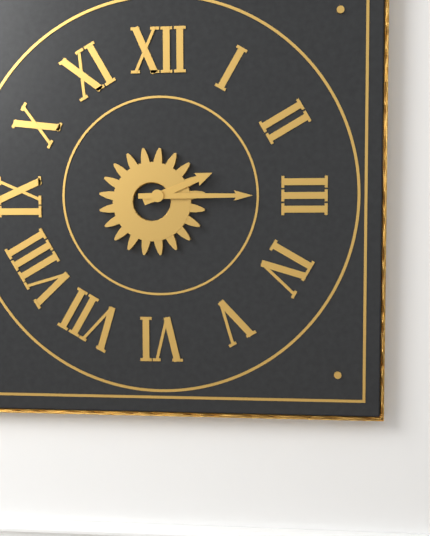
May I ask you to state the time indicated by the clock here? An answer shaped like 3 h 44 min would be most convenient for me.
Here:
2 h 15 min
